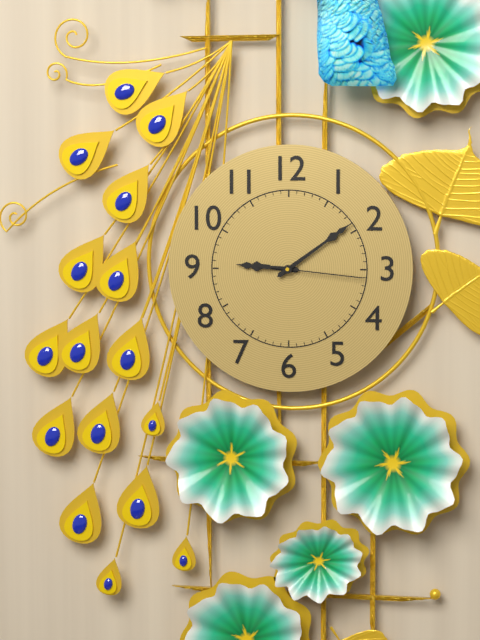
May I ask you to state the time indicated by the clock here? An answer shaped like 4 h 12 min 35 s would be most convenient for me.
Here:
9 h 09 min 16 s
